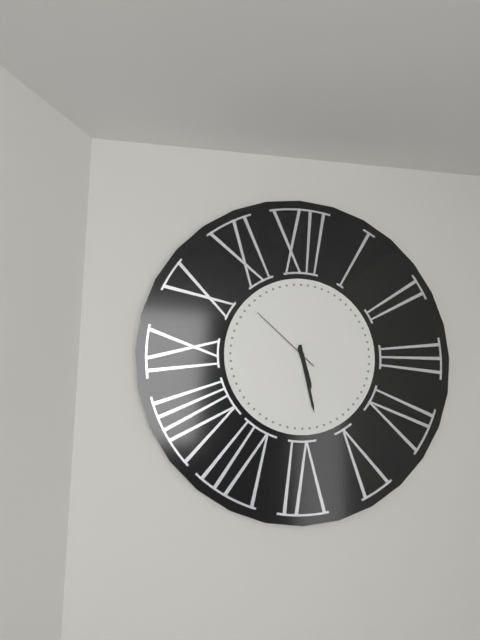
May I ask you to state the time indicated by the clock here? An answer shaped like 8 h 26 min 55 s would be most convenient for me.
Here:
5 h 28 min 52 s
